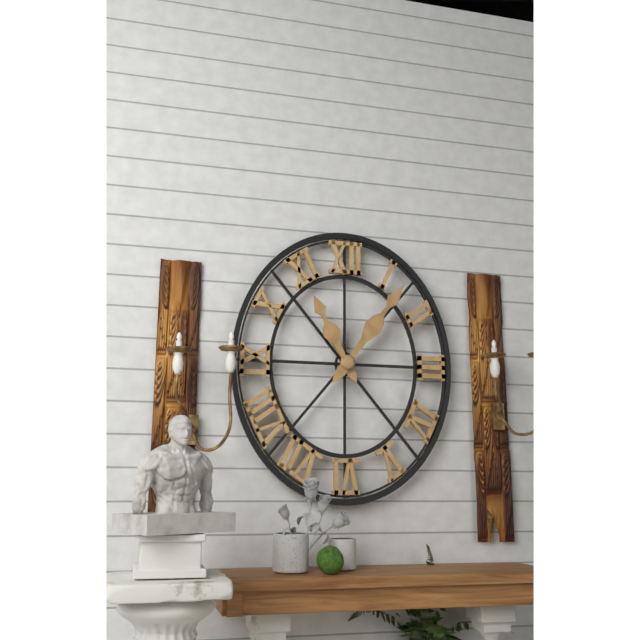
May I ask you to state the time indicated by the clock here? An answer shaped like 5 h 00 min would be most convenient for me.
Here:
11 h 06 min
